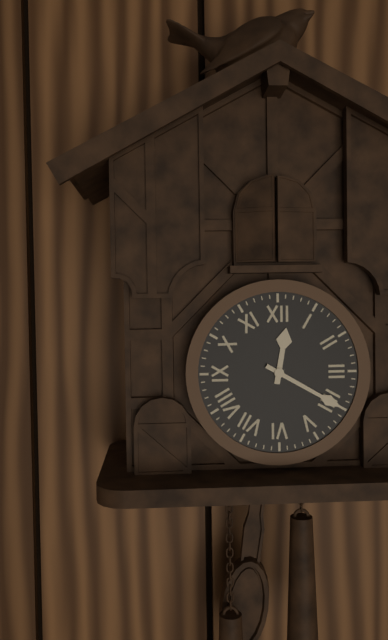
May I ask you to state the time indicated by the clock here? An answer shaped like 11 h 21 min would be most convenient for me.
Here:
12 h 20 min
